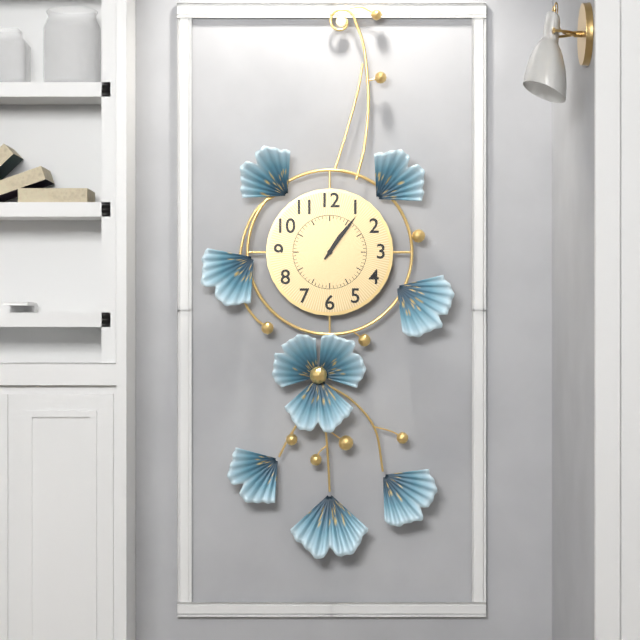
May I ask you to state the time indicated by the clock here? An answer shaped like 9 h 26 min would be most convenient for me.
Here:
1 h 06 min
